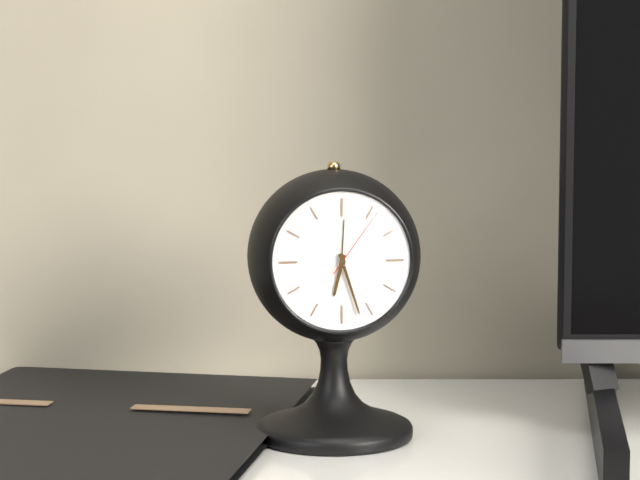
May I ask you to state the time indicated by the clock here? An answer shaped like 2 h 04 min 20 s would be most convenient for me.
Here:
6 h 27 min 06 s
